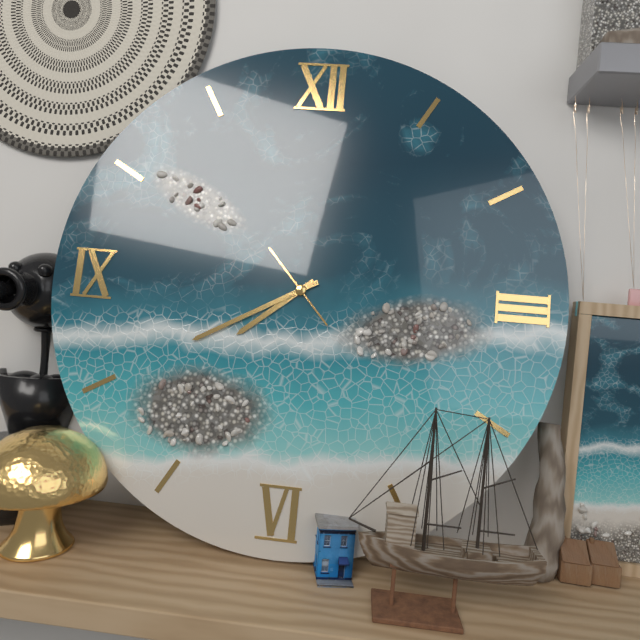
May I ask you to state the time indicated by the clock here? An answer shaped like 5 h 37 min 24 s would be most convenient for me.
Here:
7 h 40 min 53 s
